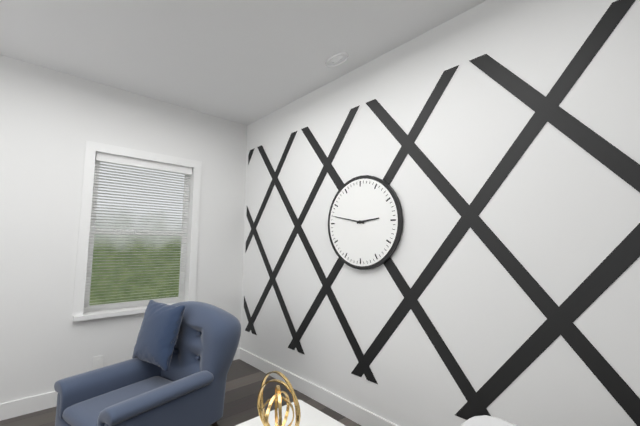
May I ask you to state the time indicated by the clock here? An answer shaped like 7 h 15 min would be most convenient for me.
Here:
2 h 47 min
